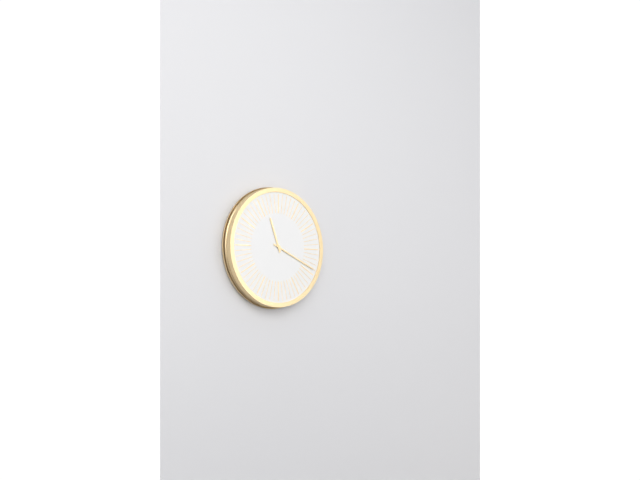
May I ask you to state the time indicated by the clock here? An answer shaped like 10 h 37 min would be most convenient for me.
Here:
11 h 19 min
